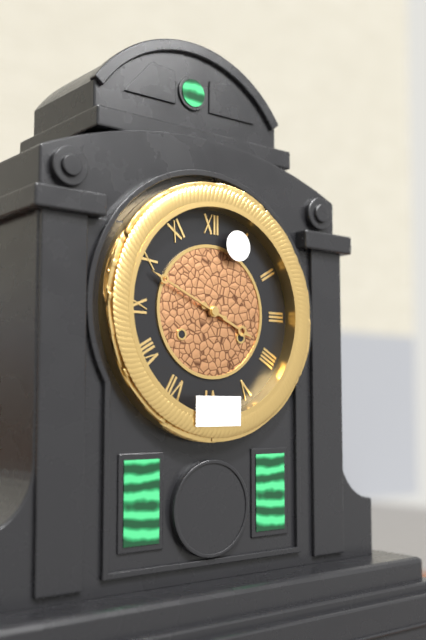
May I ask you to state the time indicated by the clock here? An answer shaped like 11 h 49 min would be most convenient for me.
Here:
3 h 49 min
